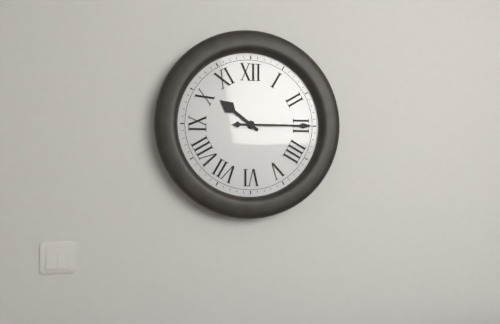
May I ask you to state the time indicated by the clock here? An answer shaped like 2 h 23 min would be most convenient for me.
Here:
10 h 15 min
